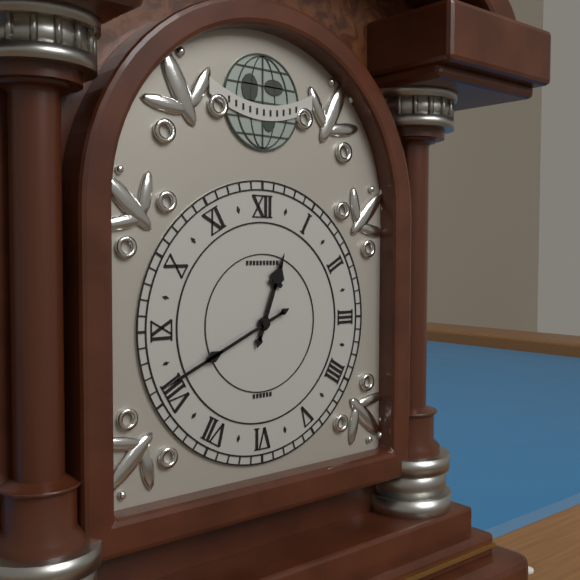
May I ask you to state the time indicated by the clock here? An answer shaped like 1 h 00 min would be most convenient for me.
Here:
12 h 41 min
